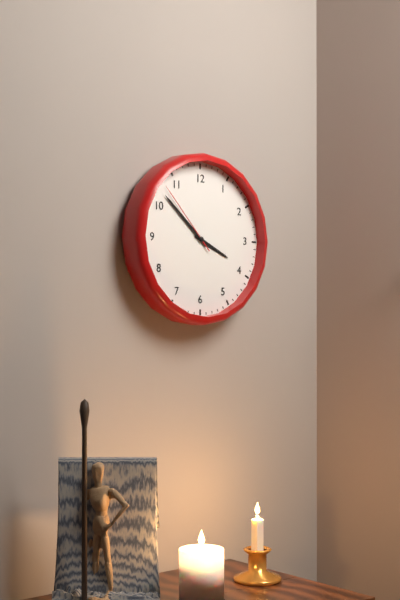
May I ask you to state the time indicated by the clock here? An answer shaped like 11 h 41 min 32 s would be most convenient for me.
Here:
3 h 52 min 53 s
